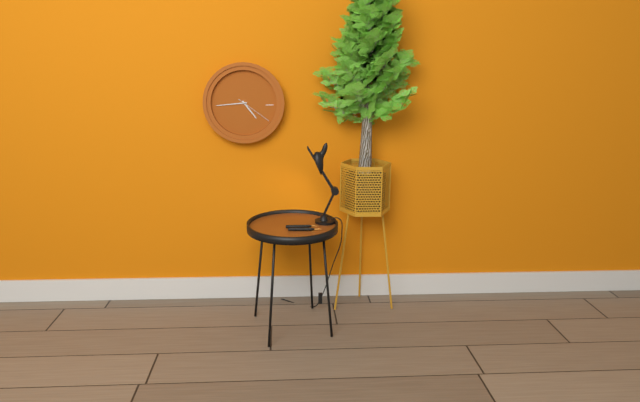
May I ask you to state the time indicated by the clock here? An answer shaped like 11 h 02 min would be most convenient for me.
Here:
4 h 44 min
